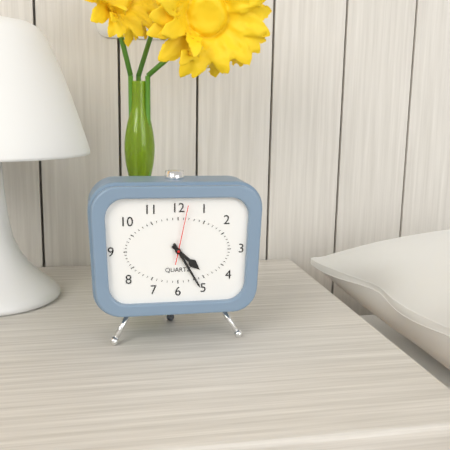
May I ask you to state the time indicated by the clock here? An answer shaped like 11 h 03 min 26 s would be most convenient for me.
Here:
4 h 25 min 02 s
